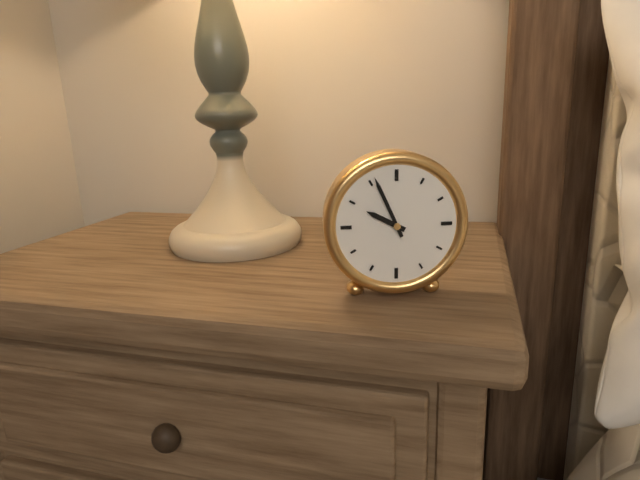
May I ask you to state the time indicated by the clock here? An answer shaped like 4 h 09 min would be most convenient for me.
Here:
9 h 56 min
